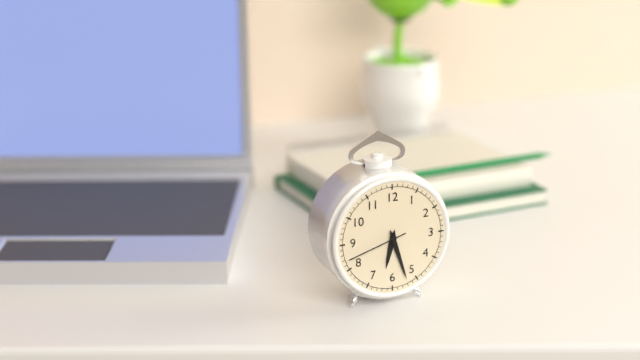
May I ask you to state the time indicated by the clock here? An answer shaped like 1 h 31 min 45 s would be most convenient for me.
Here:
6 h 27 min 42 s
